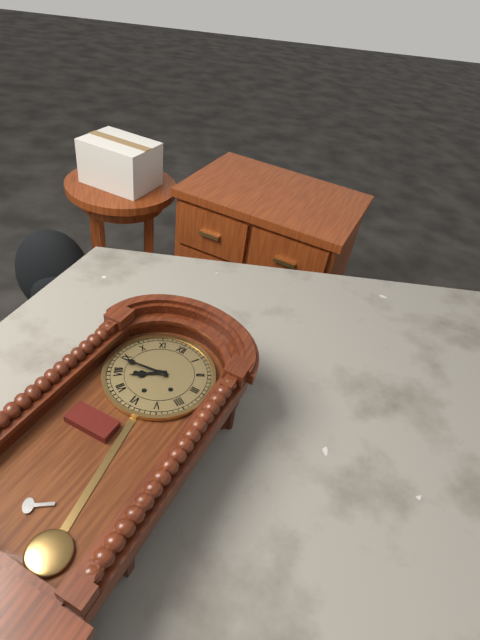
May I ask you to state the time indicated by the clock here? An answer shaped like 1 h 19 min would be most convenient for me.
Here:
7 h 44 min
